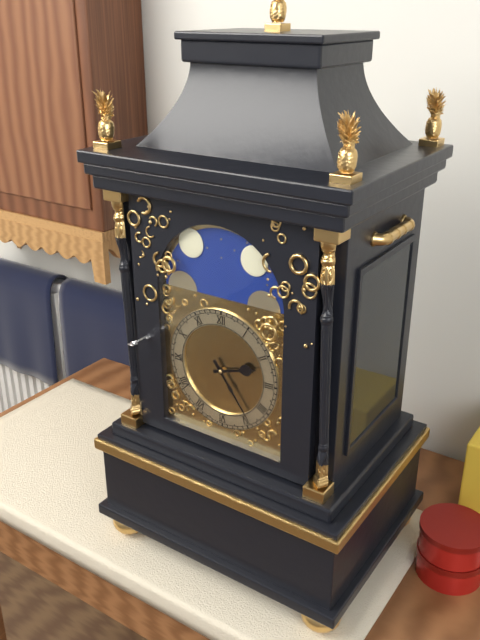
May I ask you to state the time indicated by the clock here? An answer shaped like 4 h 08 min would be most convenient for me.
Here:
2 h 24 min
